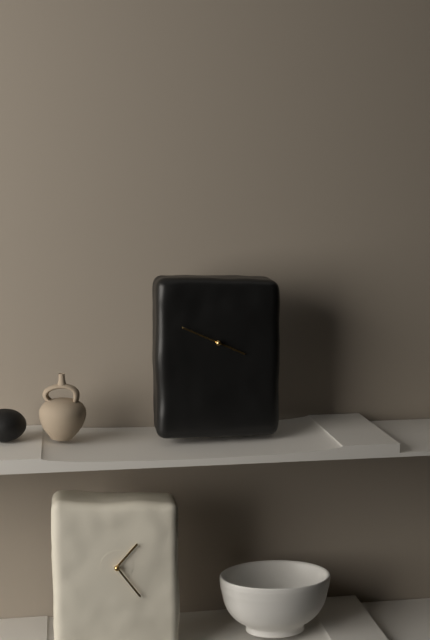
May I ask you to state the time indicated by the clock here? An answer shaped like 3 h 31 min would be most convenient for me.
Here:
3 h 49 min
